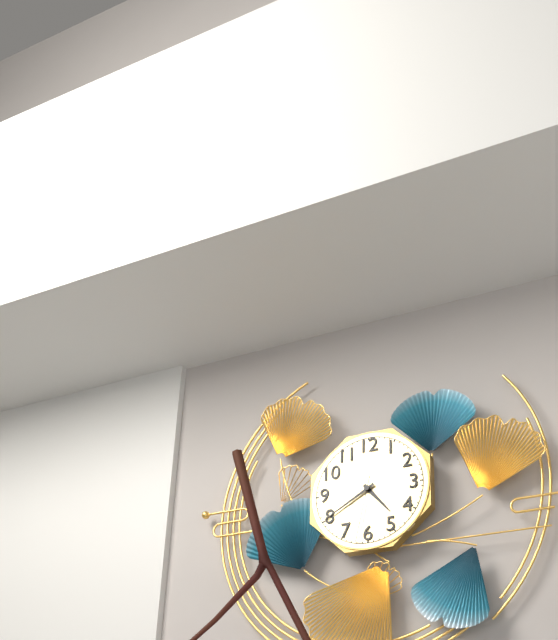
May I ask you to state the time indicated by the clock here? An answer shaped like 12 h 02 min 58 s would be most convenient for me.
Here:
4 h 40 min 32 s
